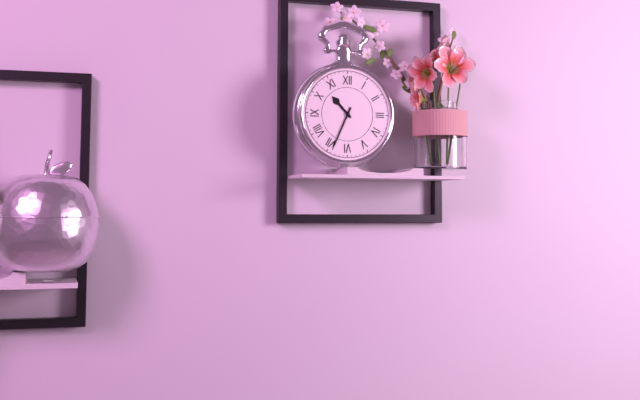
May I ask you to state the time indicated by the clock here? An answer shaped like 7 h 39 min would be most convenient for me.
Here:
10 h 34 min
